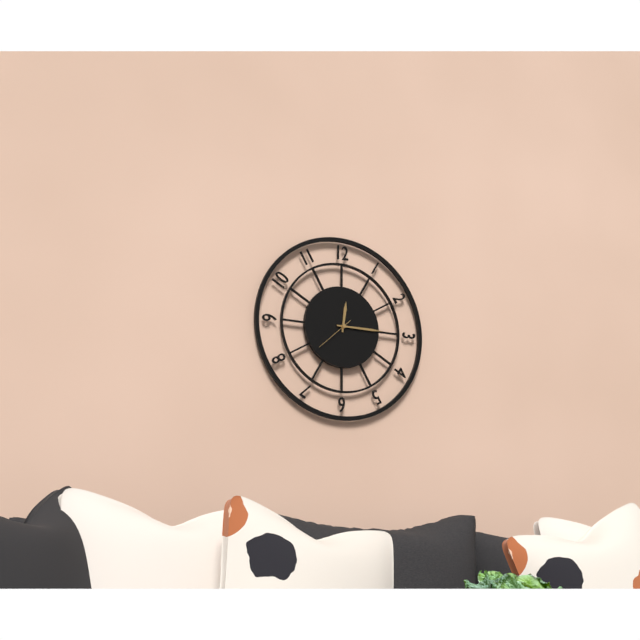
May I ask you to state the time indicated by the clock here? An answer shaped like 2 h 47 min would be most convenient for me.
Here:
12 h 15 min
